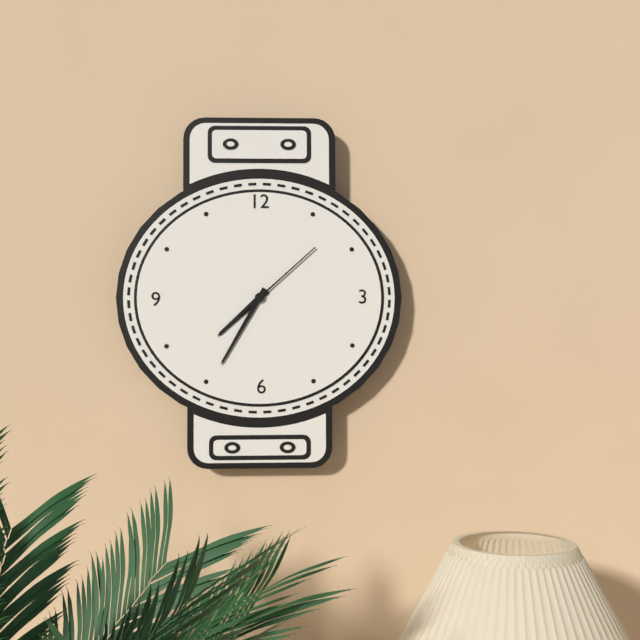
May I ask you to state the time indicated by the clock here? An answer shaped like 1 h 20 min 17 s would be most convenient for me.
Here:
7 h 35 min 08 s
